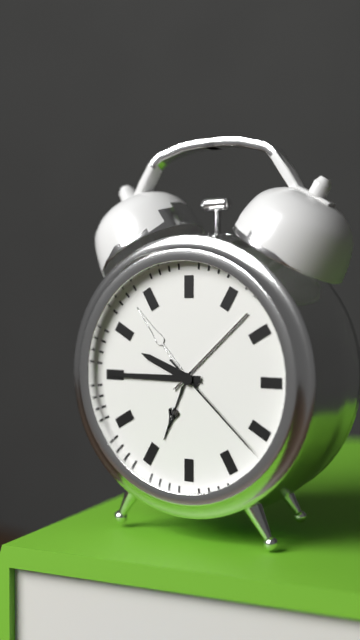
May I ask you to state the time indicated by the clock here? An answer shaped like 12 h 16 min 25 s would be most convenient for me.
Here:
9 h 45 min 22 s
